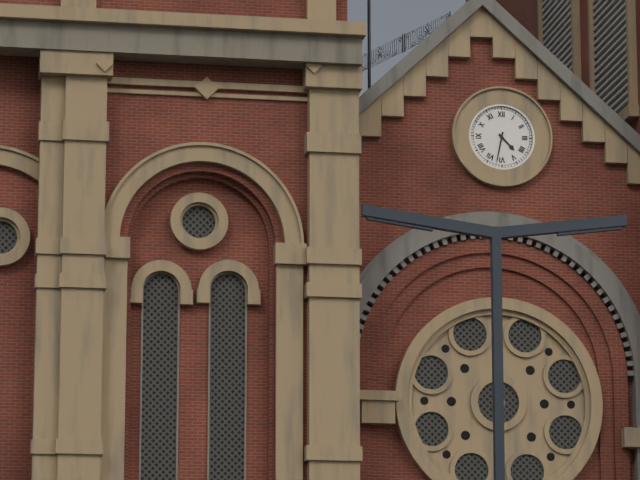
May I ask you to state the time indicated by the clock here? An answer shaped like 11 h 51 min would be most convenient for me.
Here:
4 h 32 min
